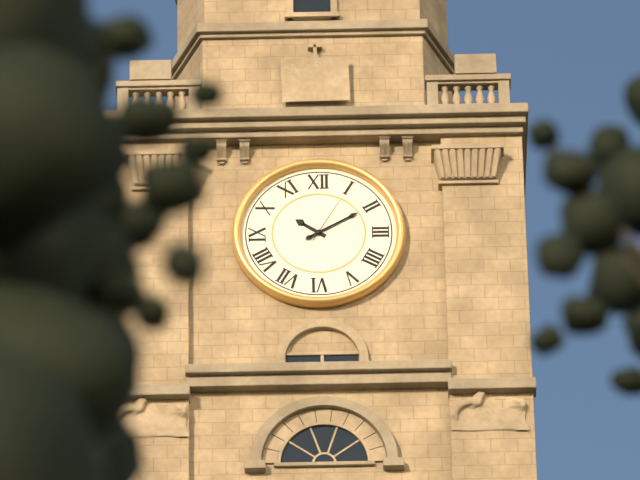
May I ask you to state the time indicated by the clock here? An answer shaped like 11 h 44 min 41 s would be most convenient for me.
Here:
10 h 10 min 05 s
